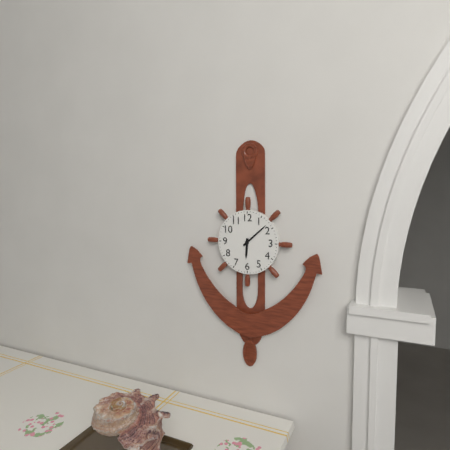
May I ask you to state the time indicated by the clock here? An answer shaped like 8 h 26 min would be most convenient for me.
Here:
6 h 08 min
